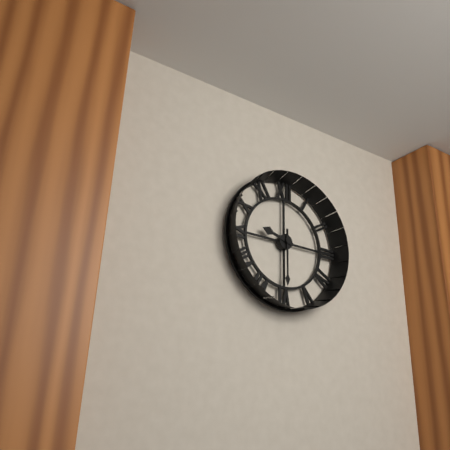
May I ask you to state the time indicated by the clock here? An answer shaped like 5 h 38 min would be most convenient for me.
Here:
9 h 30 min
